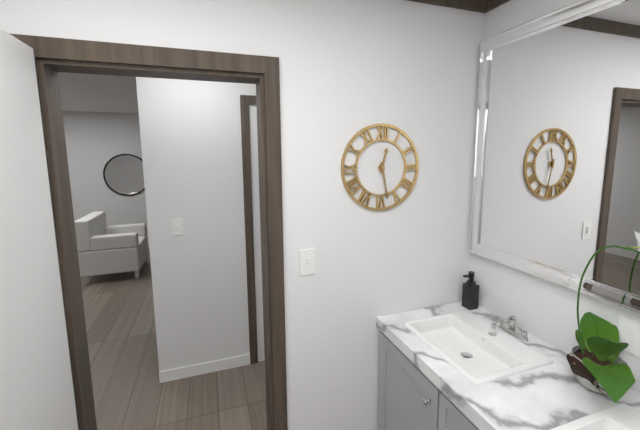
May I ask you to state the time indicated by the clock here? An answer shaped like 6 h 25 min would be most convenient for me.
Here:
12 h 28 min
